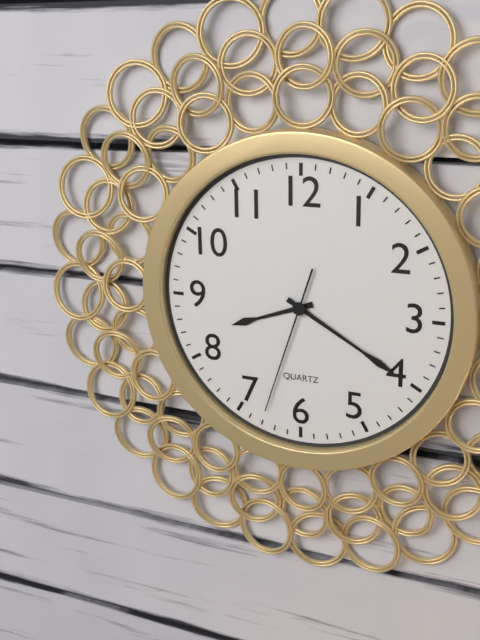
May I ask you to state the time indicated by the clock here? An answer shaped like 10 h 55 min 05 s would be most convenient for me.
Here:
8 h 20 min 33 s
